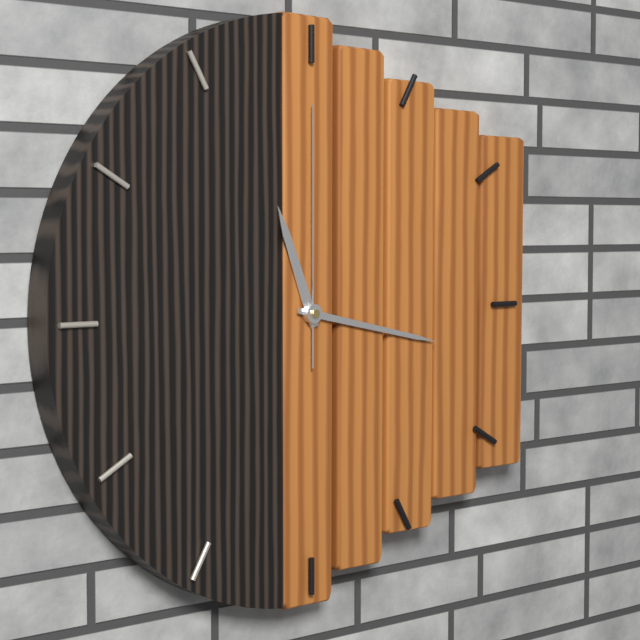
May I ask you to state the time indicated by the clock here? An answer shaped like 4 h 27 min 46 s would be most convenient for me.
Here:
11 h 17 min 00 s
